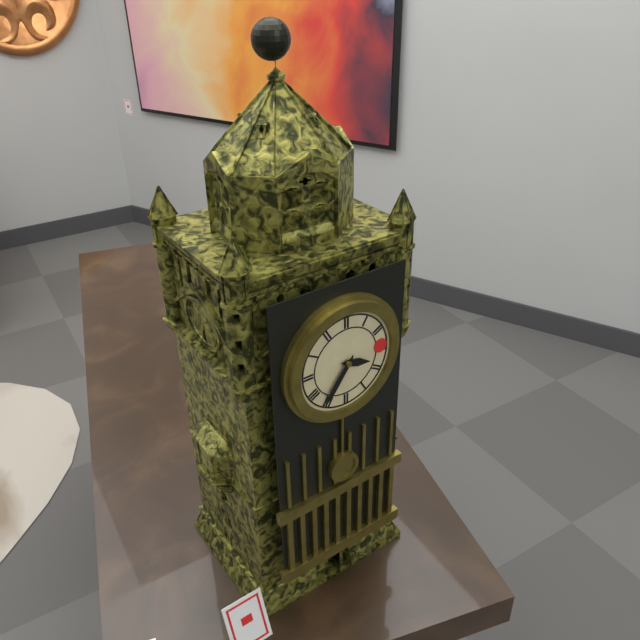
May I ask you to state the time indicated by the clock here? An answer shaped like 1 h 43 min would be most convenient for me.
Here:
3 h 36 min
